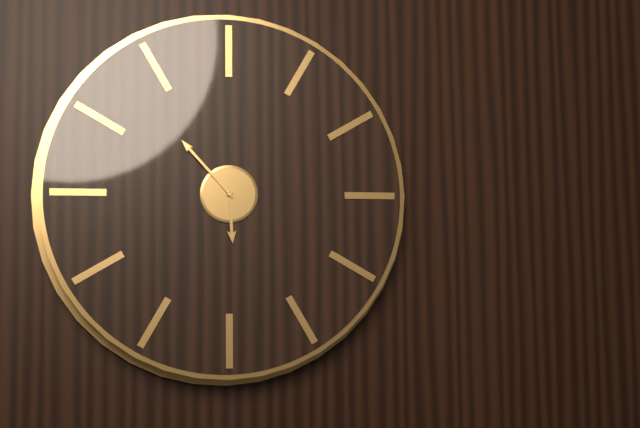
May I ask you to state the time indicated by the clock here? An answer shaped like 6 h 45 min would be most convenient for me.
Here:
5 h 53 min
